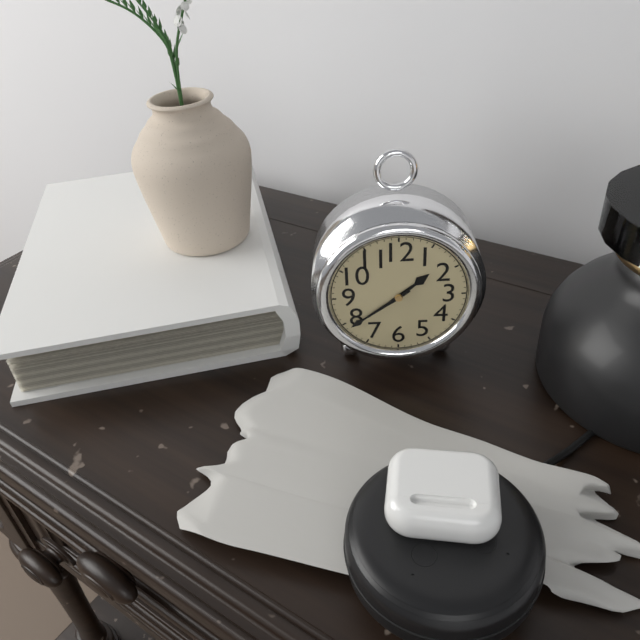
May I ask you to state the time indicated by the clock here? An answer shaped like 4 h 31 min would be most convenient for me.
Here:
1 h 39 min
